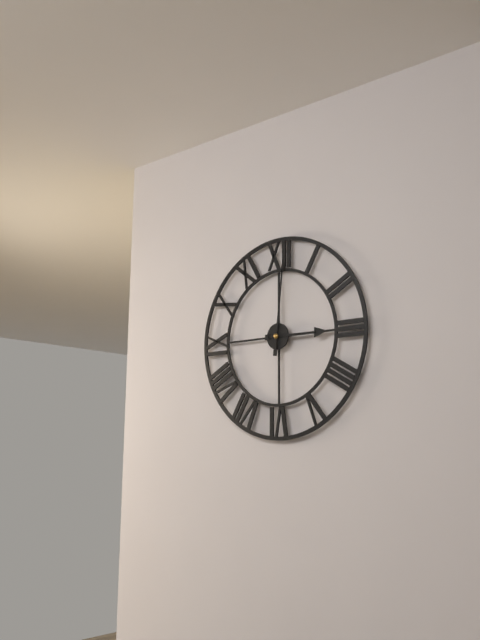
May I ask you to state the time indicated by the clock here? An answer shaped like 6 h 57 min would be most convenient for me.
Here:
3 h 01 min
